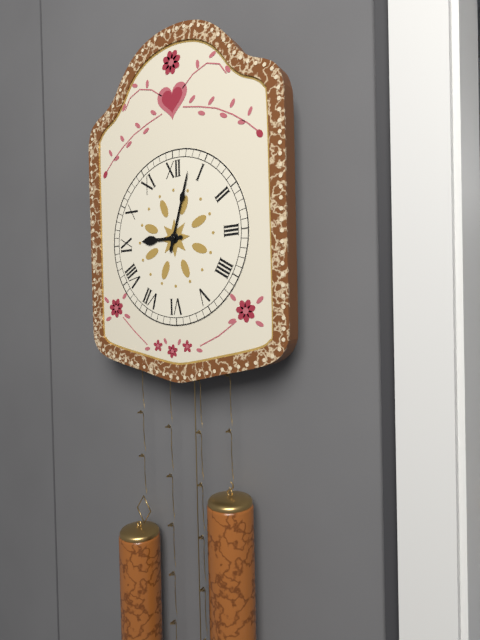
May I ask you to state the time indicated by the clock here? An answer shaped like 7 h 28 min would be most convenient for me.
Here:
9 h 03 min
